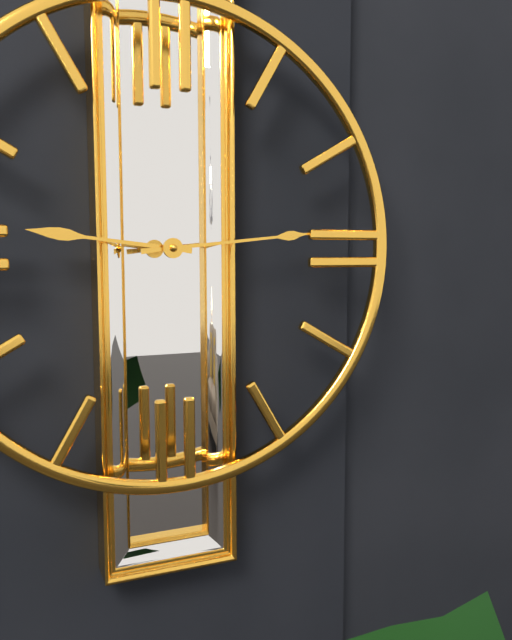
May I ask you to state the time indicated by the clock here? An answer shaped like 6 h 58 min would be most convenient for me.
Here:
9 h 14 min
